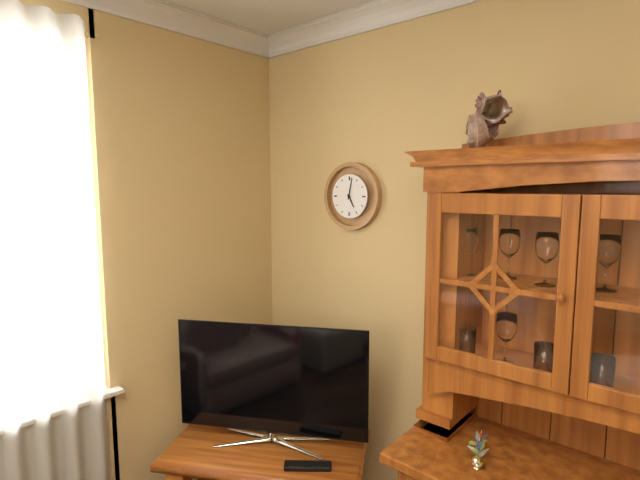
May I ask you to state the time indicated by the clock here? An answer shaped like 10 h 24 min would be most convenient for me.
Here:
5 h 02 min
